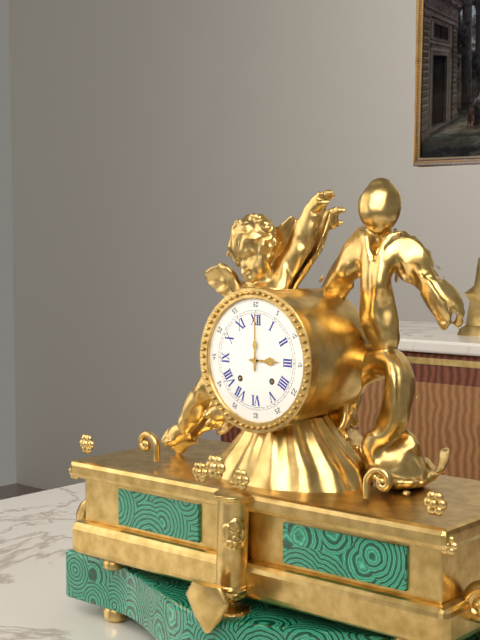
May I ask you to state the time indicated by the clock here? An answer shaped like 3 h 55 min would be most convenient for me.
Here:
3 h 00 min
